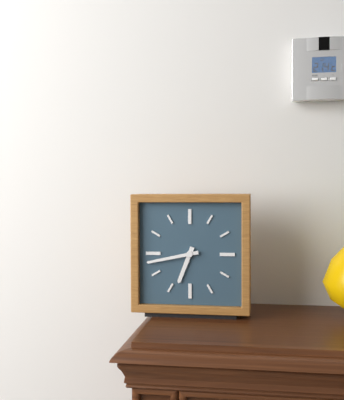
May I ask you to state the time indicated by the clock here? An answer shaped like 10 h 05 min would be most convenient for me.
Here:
6 h 43 min
